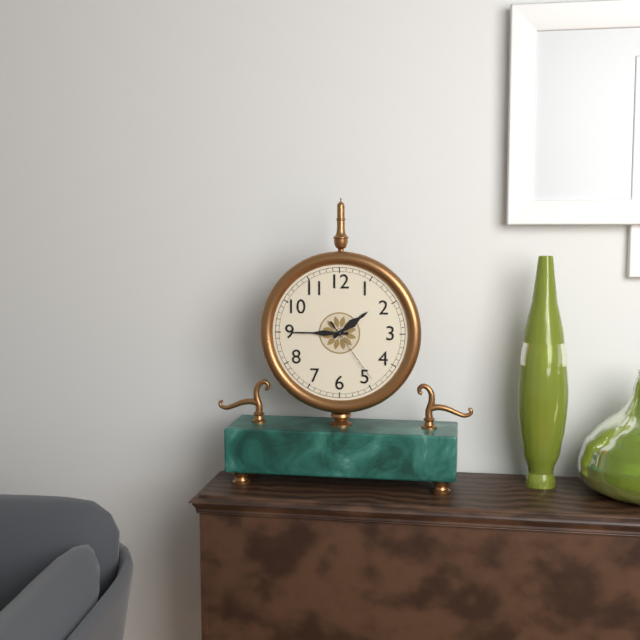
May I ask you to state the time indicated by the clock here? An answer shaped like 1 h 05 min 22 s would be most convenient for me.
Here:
1 h 45 min 24 s
